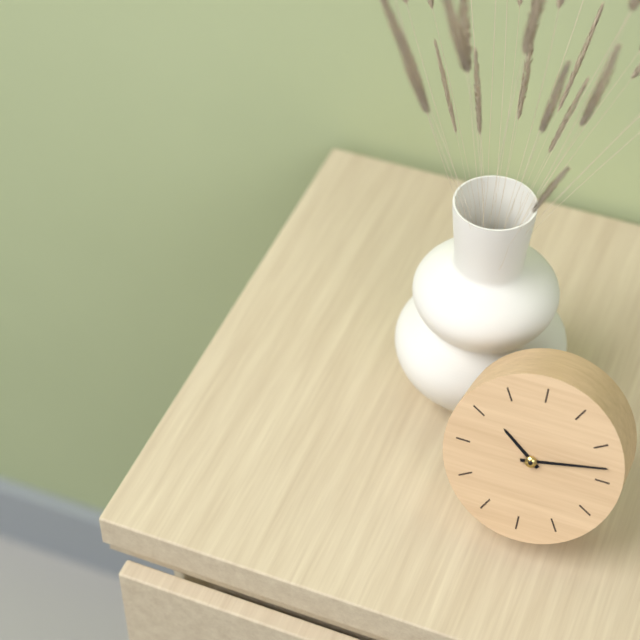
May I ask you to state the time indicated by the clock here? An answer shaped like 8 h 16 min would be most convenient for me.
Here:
10 h 13 min
